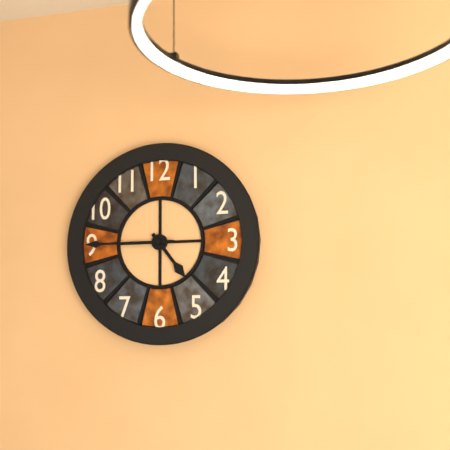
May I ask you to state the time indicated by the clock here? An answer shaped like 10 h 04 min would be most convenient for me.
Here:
4 h 45 min
